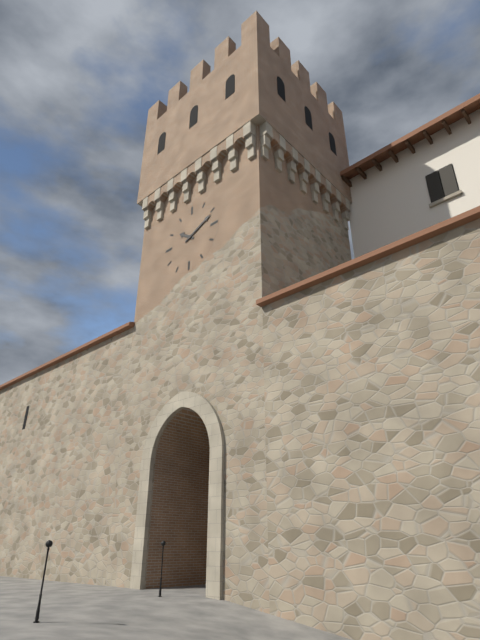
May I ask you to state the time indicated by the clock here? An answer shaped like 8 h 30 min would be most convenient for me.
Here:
10 h 11 min
